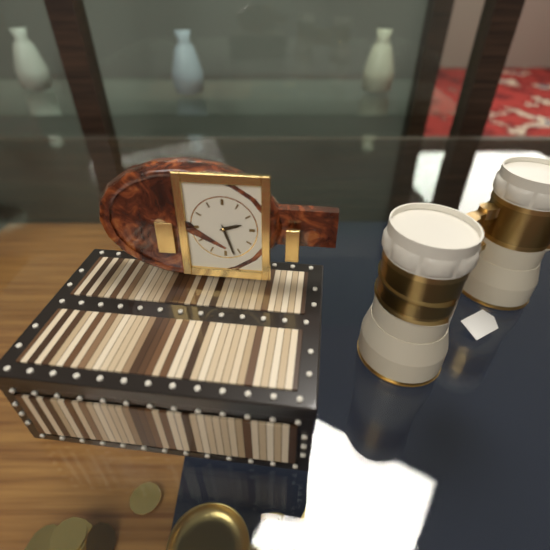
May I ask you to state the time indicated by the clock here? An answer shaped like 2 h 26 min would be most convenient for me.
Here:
2 h 27 min
